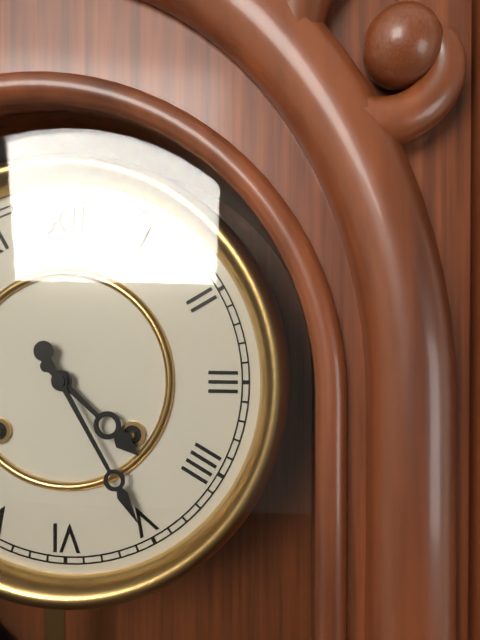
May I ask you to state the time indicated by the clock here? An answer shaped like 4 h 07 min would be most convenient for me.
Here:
4 h 25 min
